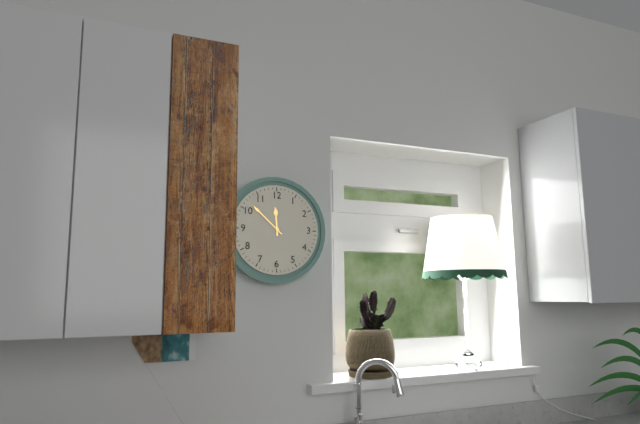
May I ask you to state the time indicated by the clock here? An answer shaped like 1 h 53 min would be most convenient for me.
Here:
11 h 52 min
